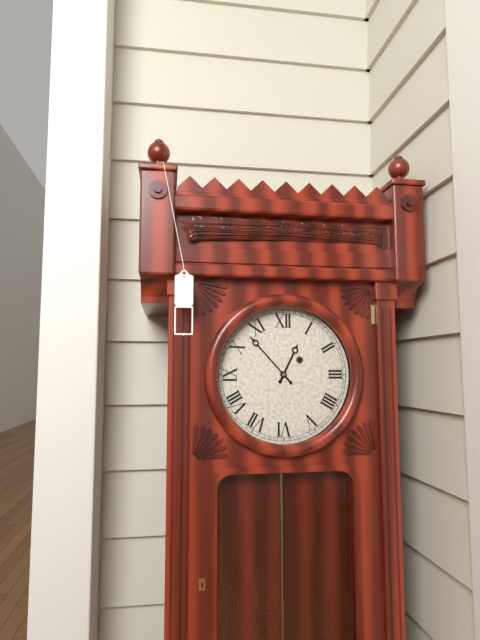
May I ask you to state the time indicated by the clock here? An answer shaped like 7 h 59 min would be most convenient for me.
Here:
12 h 53 min
